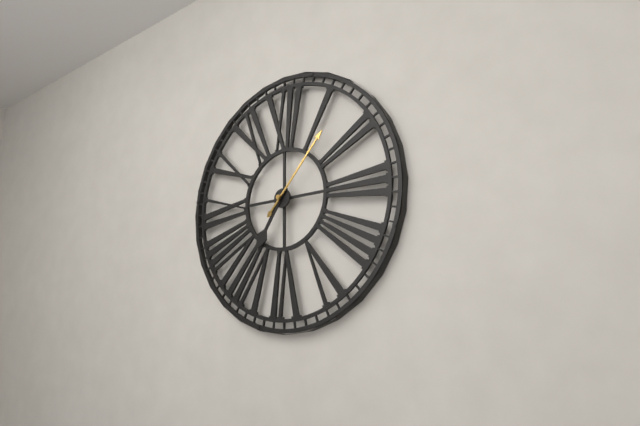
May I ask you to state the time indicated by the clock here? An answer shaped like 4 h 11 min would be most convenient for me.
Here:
7 h 07 min
